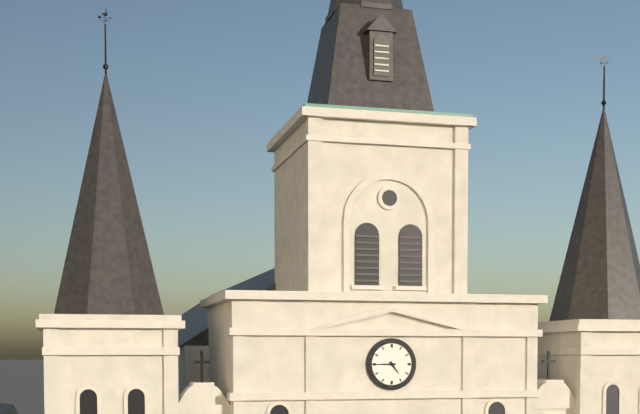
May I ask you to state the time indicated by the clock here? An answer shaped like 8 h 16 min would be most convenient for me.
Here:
4 h 45 min
